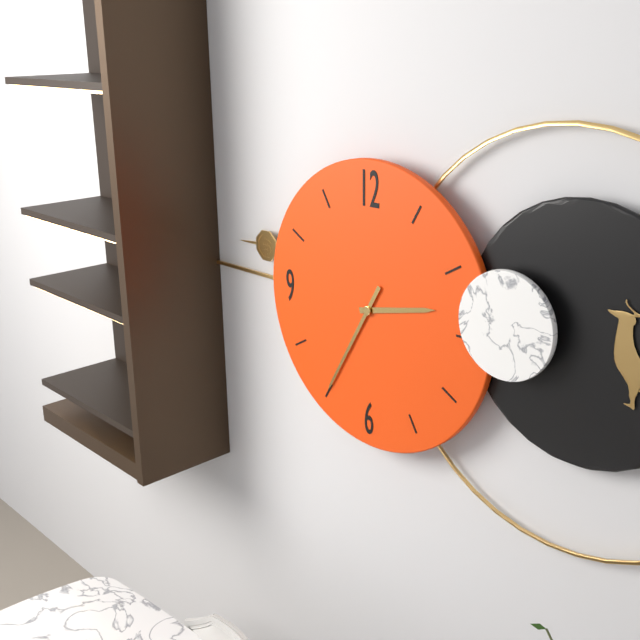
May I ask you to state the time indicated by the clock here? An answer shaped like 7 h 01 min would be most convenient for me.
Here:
2 h 35 min
